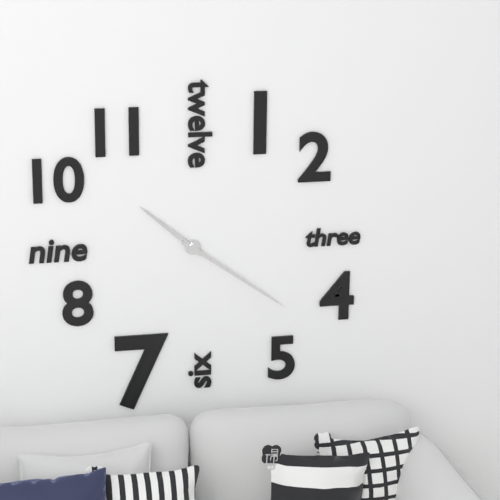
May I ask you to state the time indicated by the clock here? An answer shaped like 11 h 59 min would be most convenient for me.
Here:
10 h 21 min
